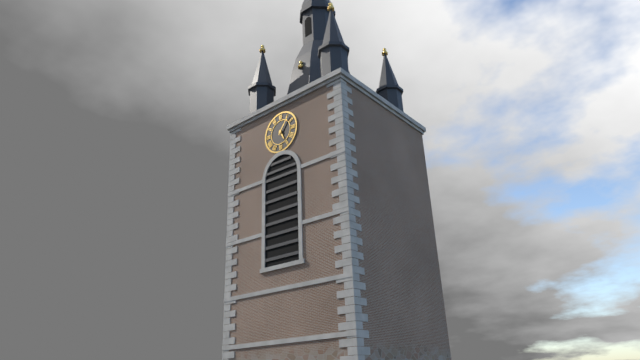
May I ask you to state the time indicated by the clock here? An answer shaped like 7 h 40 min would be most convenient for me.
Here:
5 h 06 min
